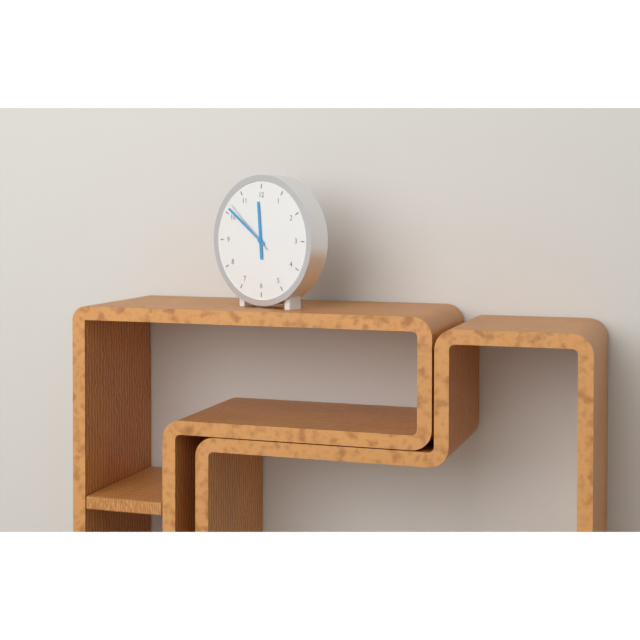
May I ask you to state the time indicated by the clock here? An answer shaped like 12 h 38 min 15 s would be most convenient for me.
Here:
11 h 51 min 52 s
